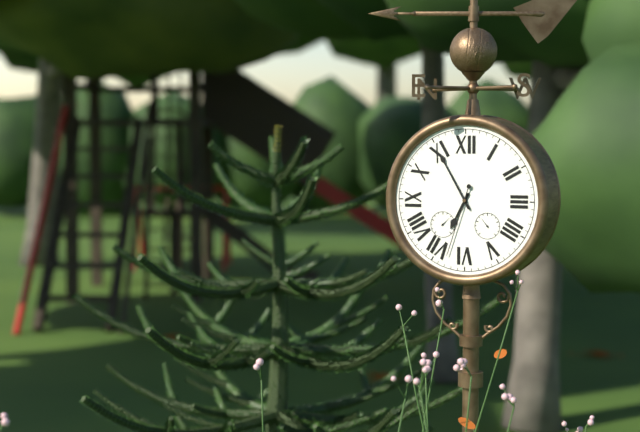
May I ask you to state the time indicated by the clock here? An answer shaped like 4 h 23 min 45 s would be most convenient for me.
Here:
6 h 55 min 33 s
